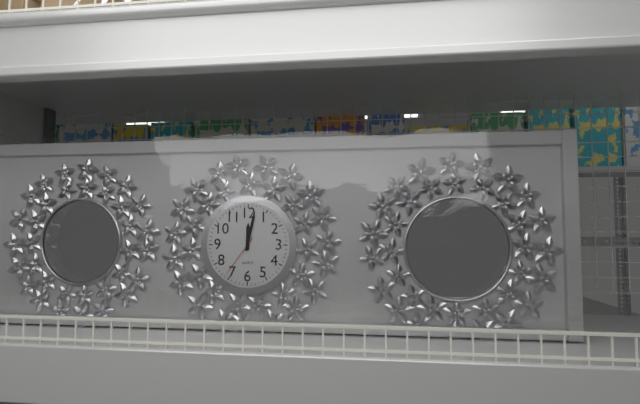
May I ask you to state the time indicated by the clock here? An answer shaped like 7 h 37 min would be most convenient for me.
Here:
12 h 02 min
